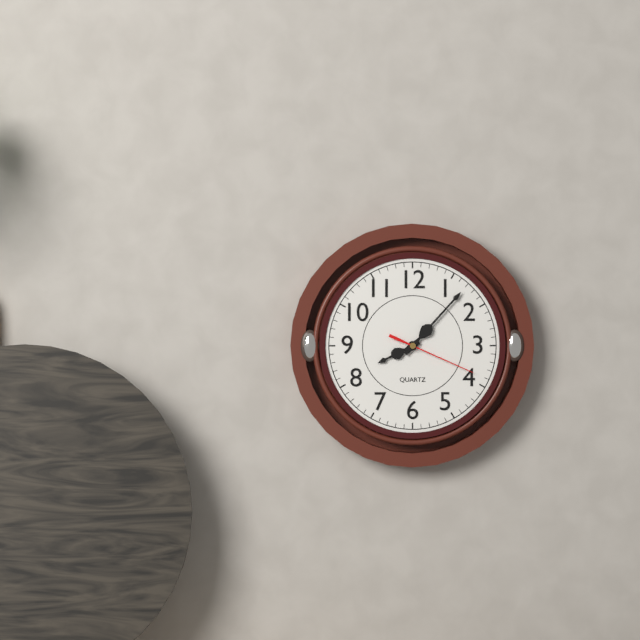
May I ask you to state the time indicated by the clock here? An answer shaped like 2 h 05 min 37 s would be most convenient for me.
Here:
8 h 07 min 19 s
